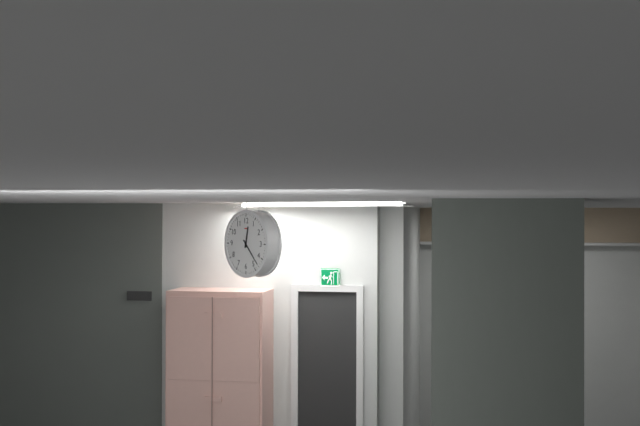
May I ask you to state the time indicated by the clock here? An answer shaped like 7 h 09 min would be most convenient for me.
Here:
12 h 23 min
